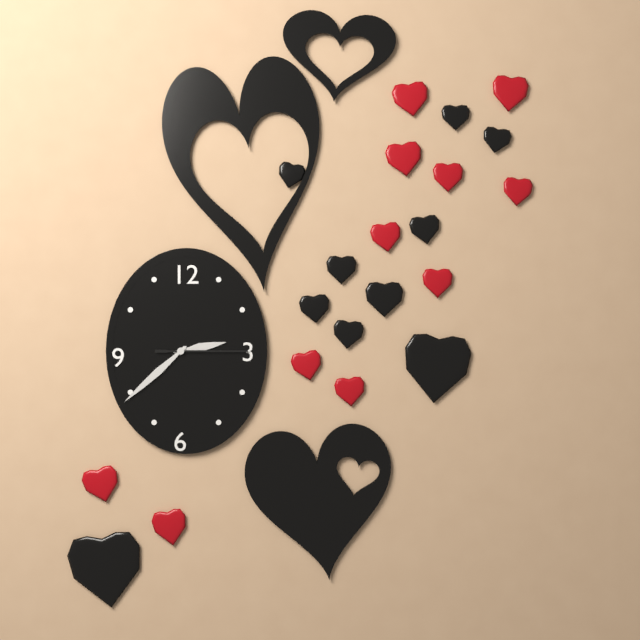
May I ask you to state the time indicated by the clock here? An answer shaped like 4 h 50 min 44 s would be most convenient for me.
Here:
2 h 38 min 15 s
